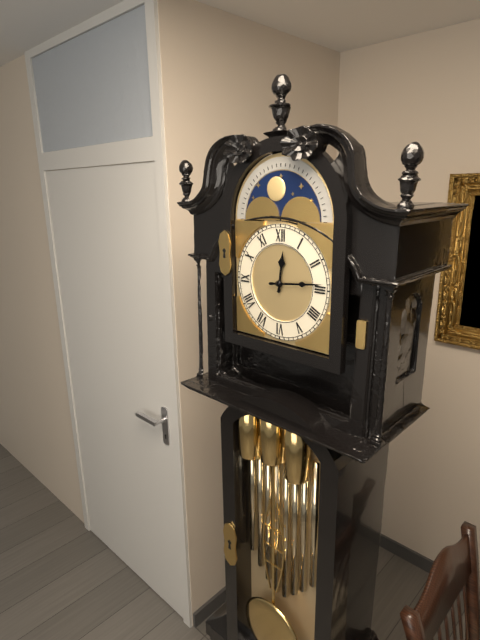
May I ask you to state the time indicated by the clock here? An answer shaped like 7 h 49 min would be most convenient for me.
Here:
12 h 14 min
